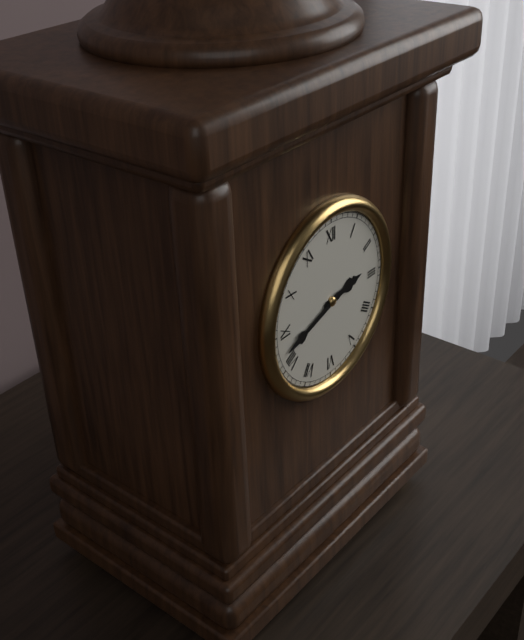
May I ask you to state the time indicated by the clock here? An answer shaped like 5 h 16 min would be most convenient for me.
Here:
2 h 42 min
